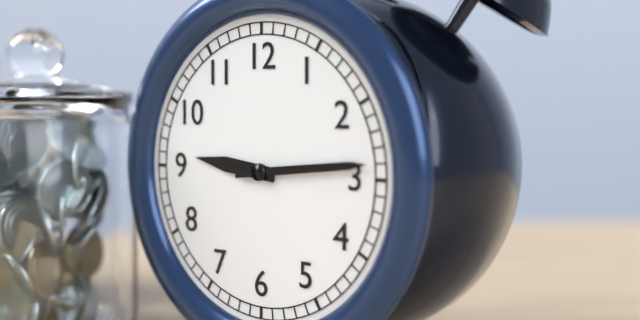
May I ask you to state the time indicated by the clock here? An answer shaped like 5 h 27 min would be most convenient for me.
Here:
9 h 14 min
